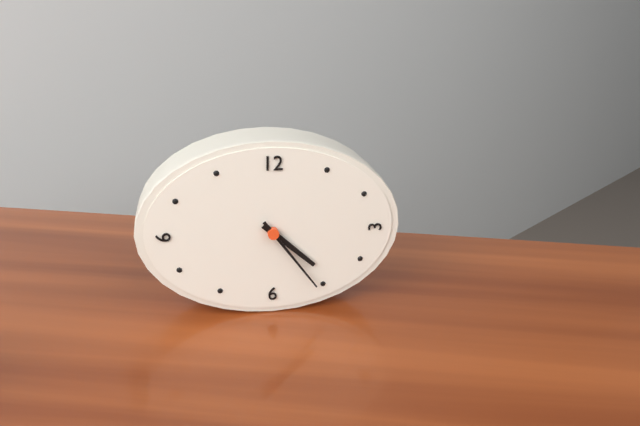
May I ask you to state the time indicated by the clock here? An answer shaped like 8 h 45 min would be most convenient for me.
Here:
4 h 24 min
